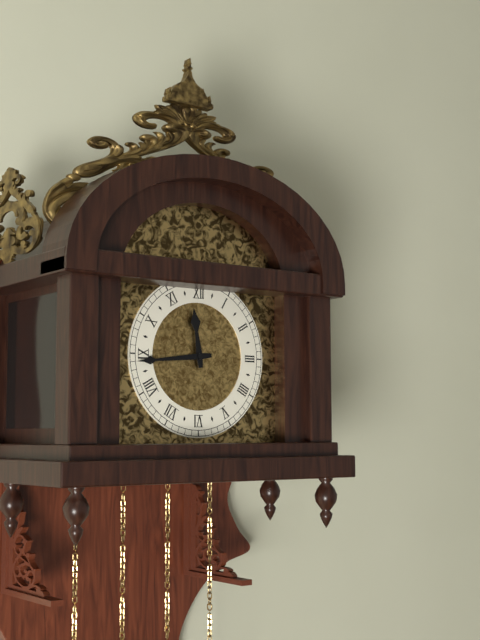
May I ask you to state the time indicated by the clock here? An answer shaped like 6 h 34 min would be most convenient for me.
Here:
11 h 44 min
